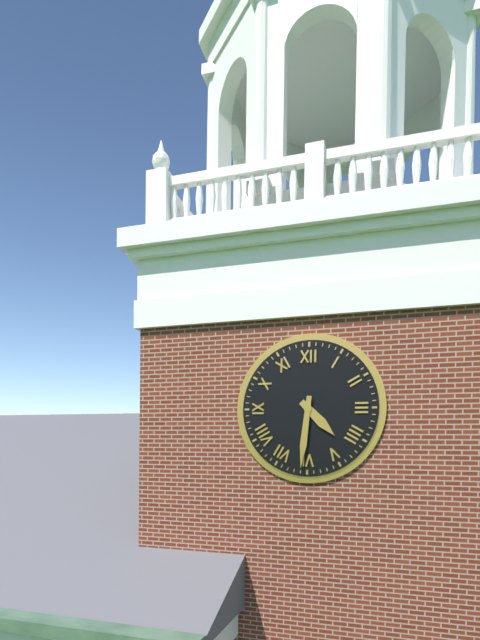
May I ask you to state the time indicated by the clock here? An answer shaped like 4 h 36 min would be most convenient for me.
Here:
4 h 31 min
